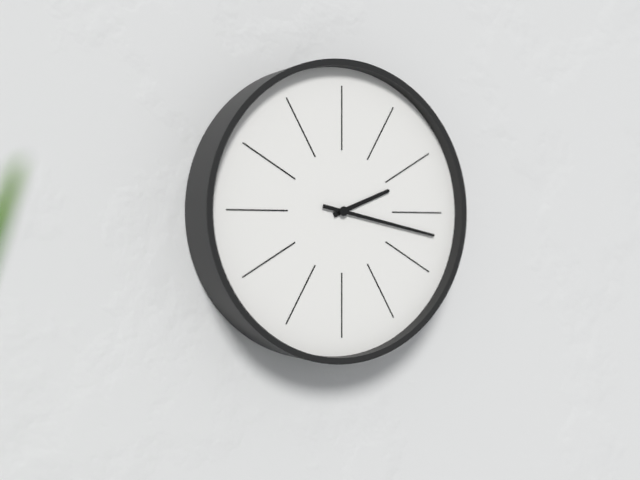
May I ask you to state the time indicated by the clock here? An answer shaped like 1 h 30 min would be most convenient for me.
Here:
2 h 17 min
